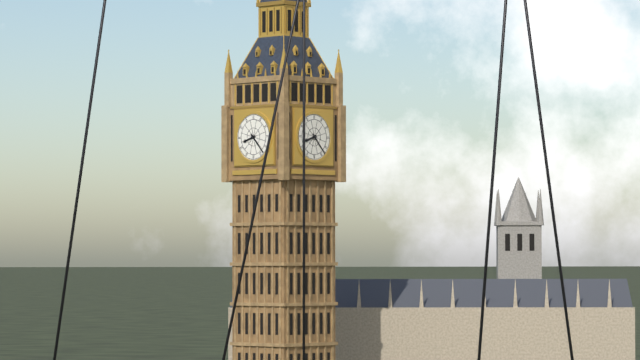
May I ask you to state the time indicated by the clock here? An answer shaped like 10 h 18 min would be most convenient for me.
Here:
8 h 23 min
